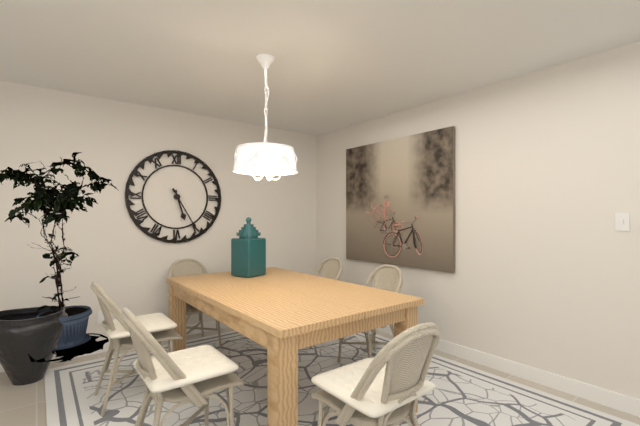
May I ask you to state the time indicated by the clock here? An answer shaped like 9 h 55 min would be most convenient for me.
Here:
5 h 25 min
